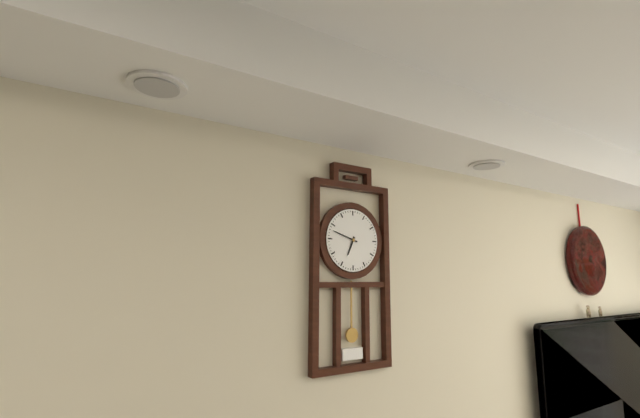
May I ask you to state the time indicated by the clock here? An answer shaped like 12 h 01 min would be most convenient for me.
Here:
6 h 48 min
